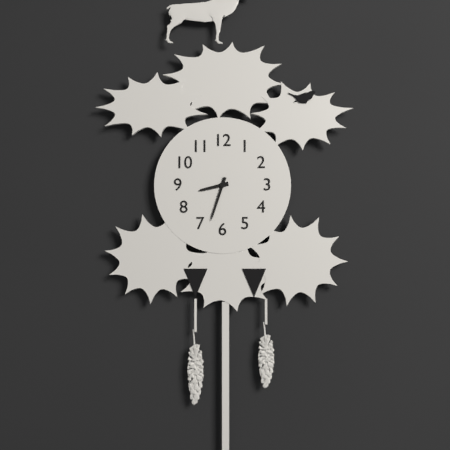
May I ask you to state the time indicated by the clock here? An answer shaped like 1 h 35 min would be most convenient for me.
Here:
8 h 33 min
